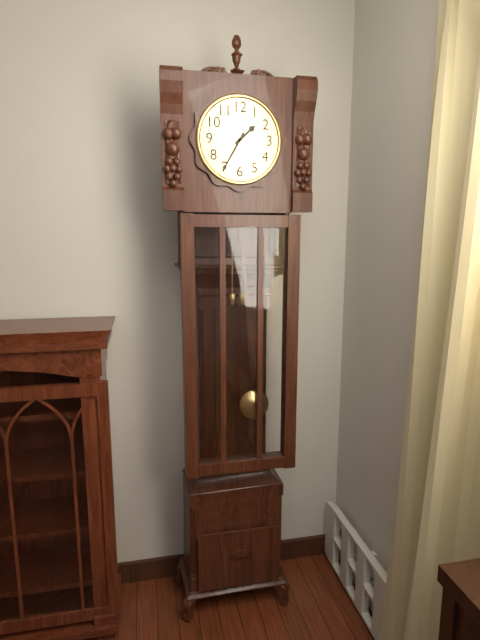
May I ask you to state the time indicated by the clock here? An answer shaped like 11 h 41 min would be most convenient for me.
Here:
1 h 35 min
